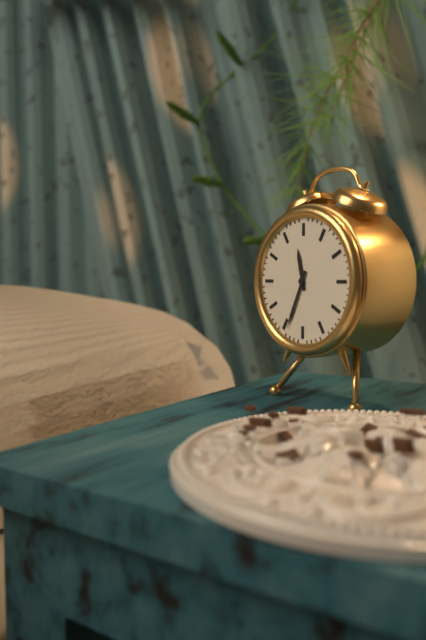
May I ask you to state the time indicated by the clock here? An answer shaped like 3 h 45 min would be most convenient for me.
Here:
11 h 34 min
